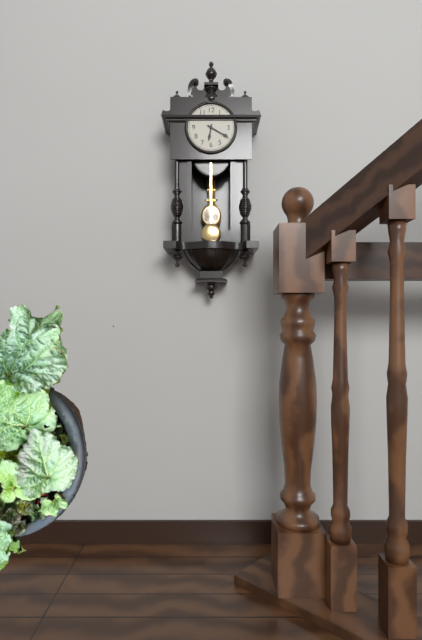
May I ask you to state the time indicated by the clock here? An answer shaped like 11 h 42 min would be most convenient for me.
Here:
6 h 20 min
